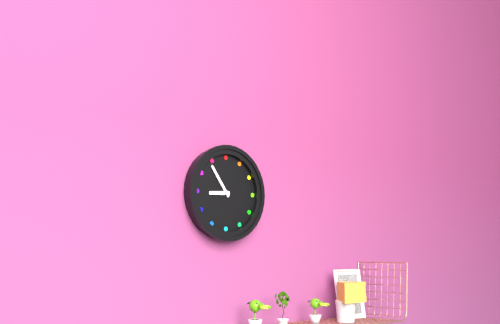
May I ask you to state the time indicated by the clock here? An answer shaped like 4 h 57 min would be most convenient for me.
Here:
8 h 54 min
